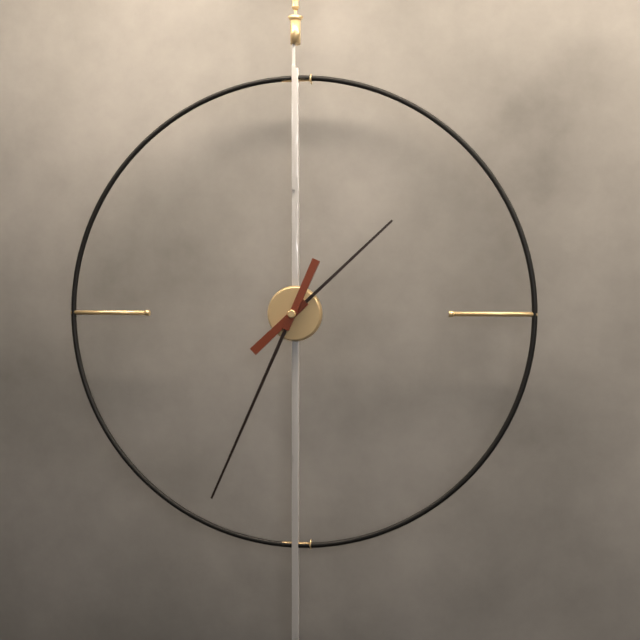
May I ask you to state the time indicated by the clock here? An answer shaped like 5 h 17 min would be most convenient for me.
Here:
1 h 34 min
